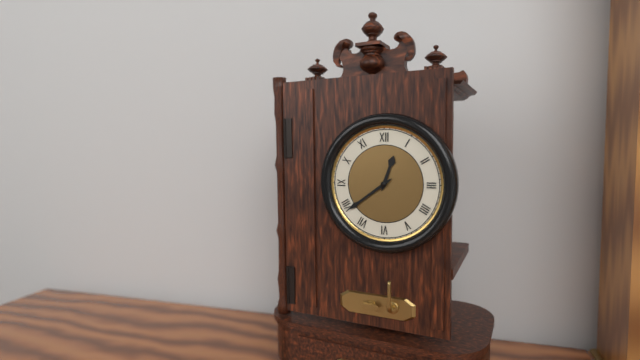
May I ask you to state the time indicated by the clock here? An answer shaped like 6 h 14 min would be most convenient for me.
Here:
12 h 39 min
